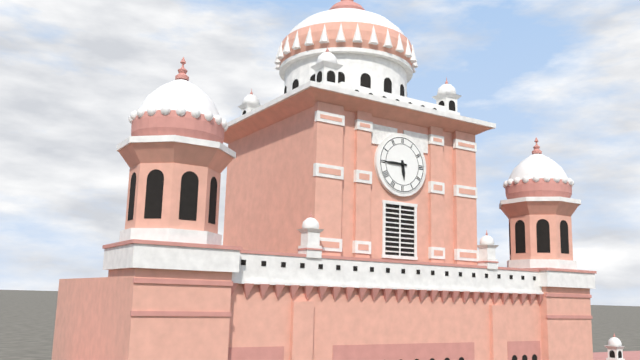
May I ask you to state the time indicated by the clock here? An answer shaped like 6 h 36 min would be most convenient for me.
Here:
5 h 45 min
